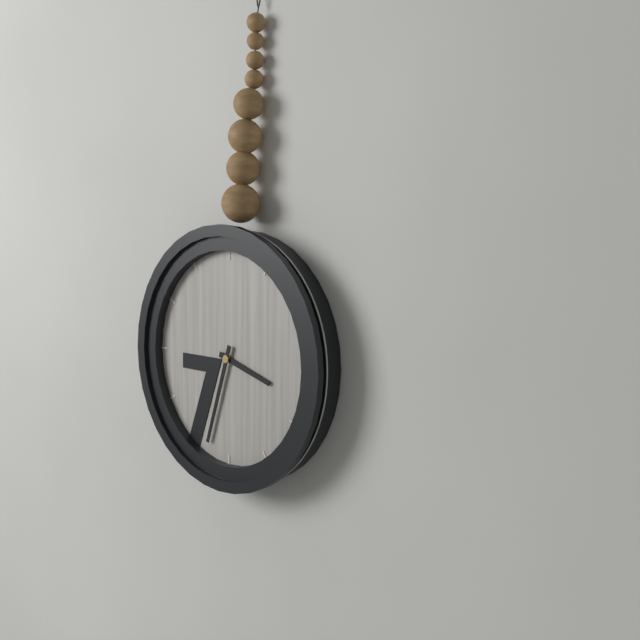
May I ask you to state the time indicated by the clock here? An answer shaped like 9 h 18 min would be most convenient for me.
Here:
3 h 33 min
